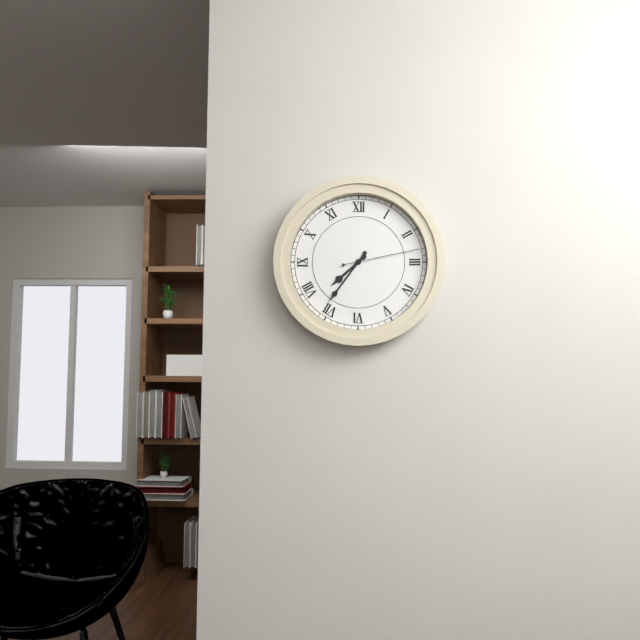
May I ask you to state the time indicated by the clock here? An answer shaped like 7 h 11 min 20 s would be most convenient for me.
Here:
7 h 36 min 13 s
